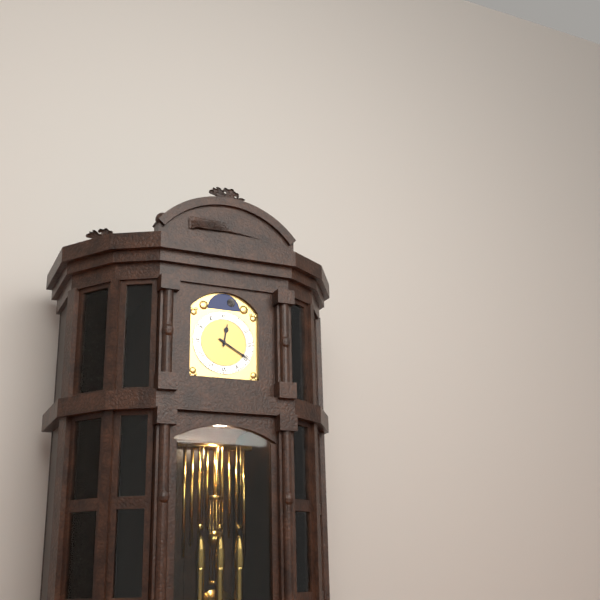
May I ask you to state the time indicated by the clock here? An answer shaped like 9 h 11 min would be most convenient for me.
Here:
12 h 20 min
